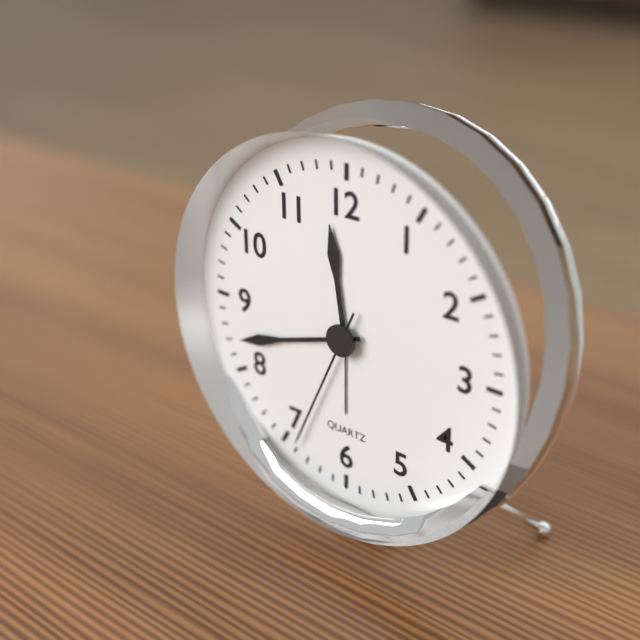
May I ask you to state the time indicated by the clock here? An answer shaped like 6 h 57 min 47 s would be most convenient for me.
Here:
11 h 42 min 34 s
